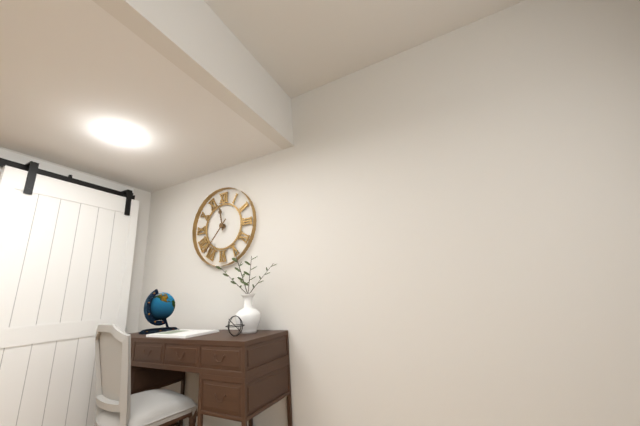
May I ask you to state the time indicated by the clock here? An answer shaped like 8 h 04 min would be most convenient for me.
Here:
11 h 37 min
